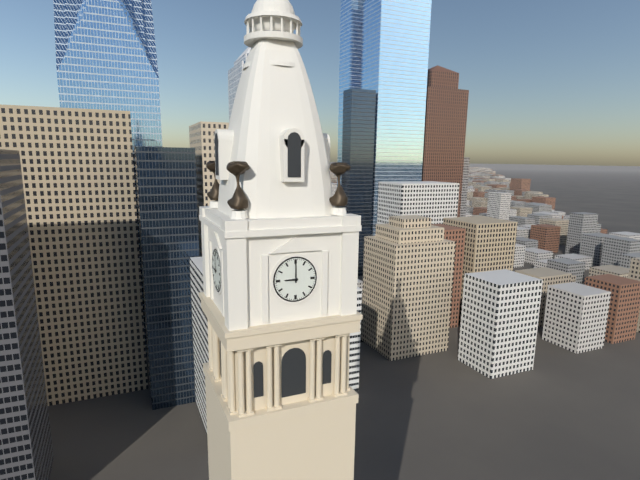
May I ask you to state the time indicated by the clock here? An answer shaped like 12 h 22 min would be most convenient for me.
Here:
9 h 00 min
